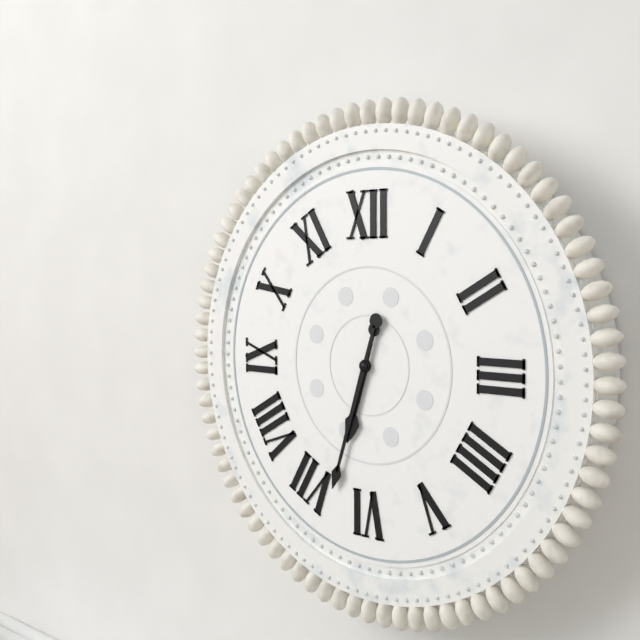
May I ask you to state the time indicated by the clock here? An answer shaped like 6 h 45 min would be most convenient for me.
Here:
6 h 33 min
